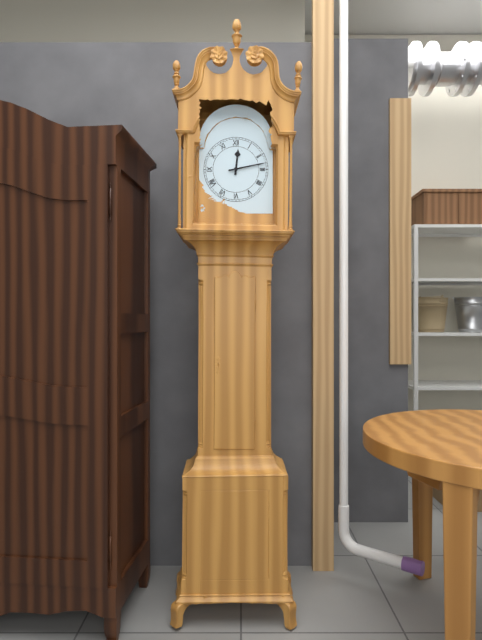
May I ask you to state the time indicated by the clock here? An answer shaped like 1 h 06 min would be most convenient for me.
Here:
12 h 13 min
